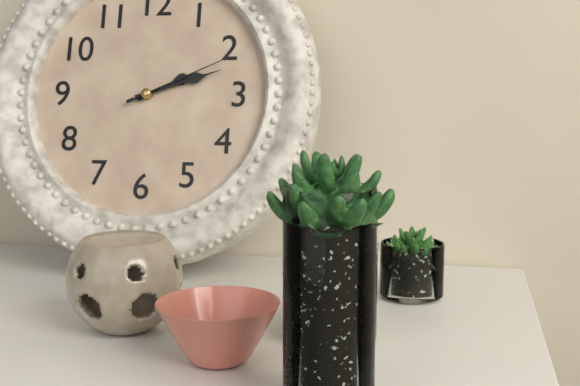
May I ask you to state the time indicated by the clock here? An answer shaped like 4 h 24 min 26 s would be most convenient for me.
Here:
2 h 12 min 11 s
